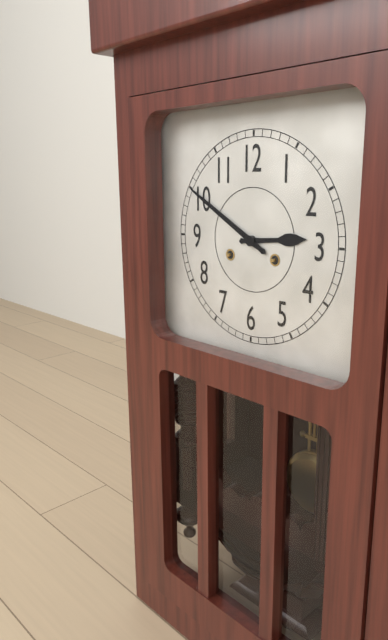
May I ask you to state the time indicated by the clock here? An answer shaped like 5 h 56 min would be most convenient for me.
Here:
2 h 50 min
